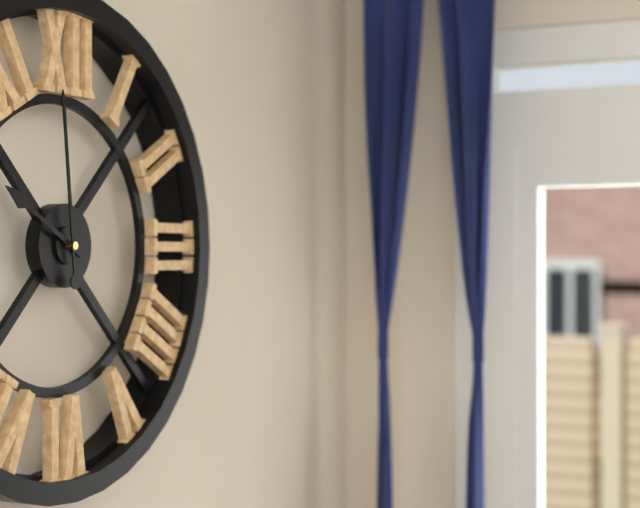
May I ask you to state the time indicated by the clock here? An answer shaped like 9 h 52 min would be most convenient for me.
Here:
9 h 59 min
